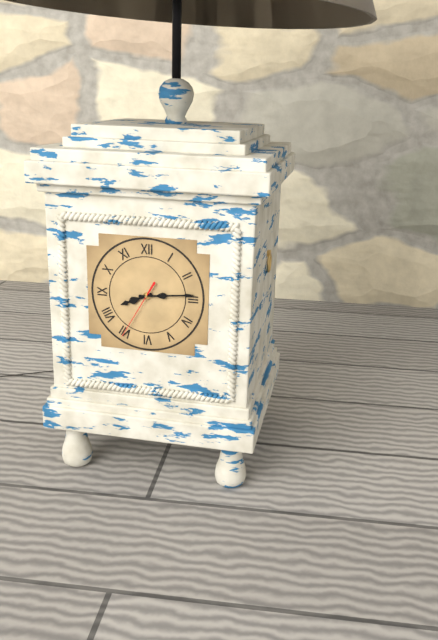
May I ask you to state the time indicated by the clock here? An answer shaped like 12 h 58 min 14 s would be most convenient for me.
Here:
8 h 14 min 35 s
